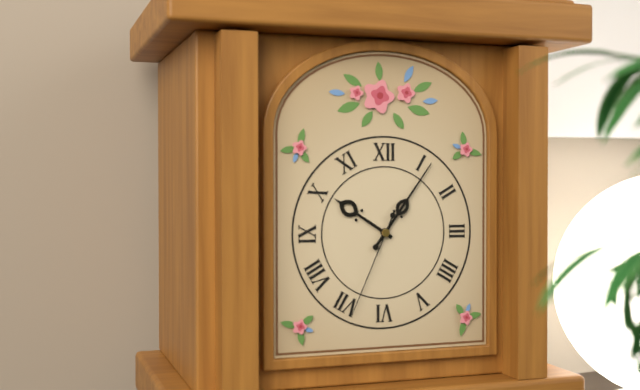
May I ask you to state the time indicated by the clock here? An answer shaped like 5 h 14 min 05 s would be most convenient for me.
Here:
10 h 06 min 34 s
